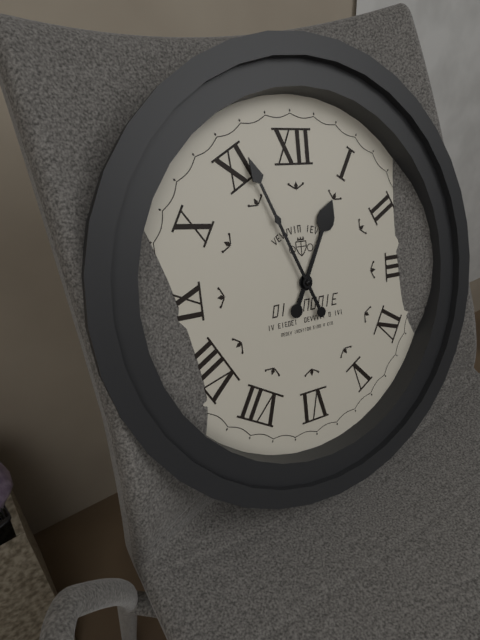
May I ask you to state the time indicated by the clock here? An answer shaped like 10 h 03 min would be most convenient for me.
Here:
12 h 56 min
